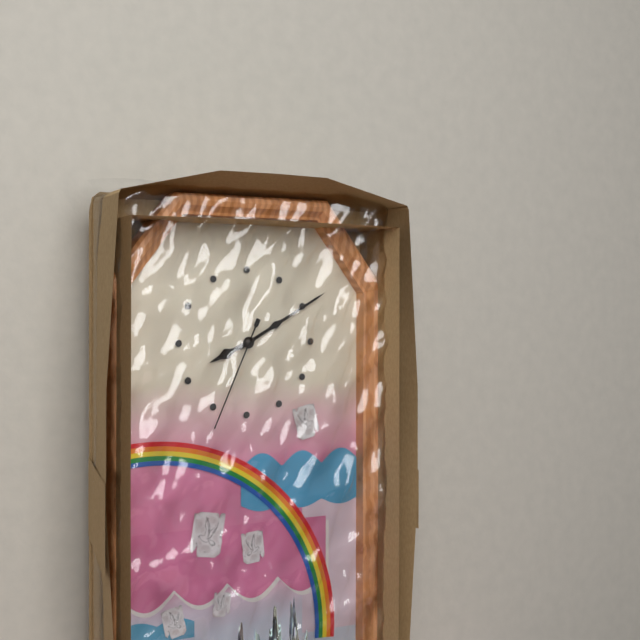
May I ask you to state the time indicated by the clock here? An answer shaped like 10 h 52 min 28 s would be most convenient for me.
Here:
8 h 10 min 34 s
